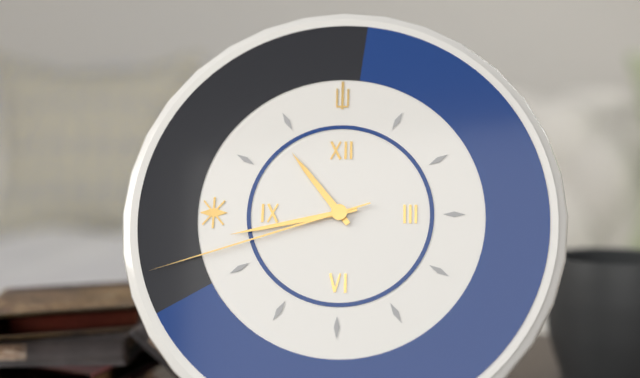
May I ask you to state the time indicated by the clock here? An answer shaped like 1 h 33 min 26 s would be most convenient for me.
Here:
10 h 43 min 42 s
